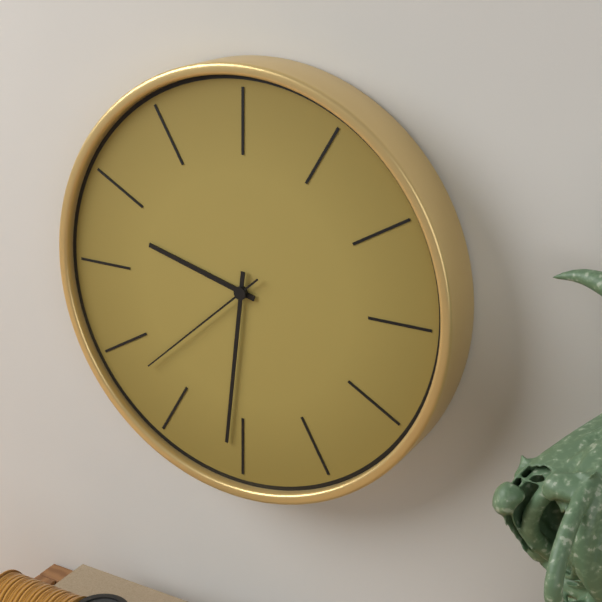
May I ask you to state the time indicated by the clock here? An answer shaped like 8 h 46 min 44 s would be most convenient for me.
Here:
9 h 31 min 38 s
